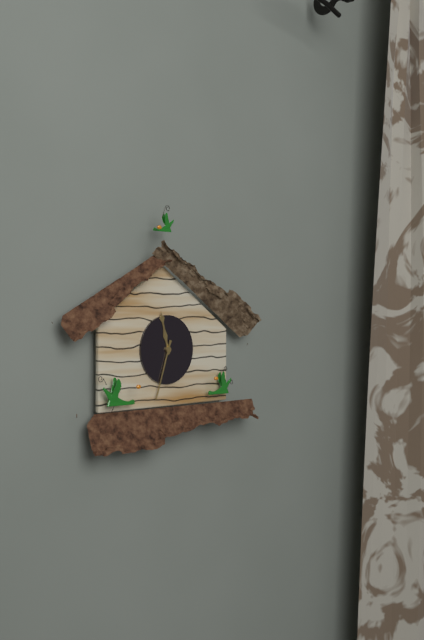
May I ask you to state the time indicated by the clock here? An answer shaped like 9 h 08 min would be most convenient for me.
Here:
11 h 33 min
